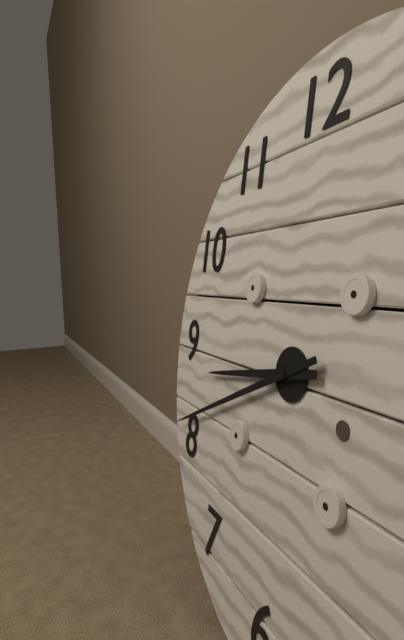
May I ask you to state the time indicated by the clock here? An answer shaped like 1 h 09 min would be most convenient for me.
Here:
8 h 41 min
